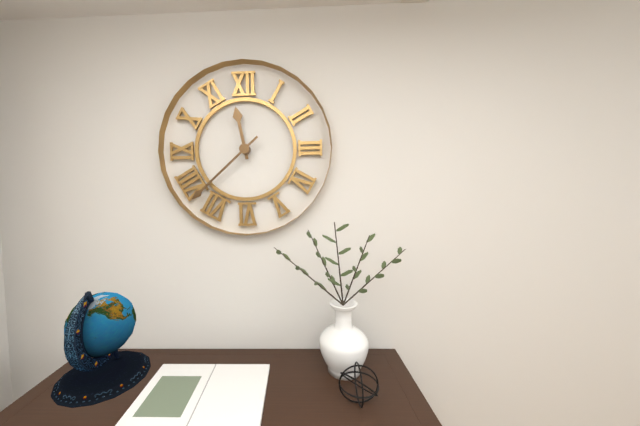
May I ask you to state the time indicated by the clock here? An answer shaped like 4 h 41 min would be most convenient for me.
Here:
11 h 38 min
